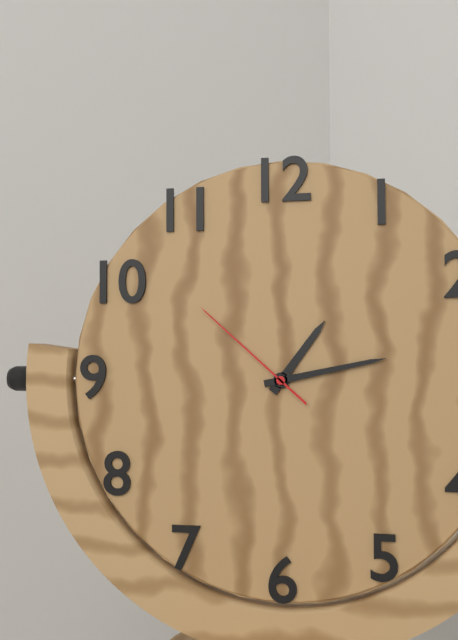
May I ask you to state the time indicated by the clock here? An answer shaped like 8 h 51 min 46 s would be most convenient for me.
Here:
1 h 13 min 52 s
